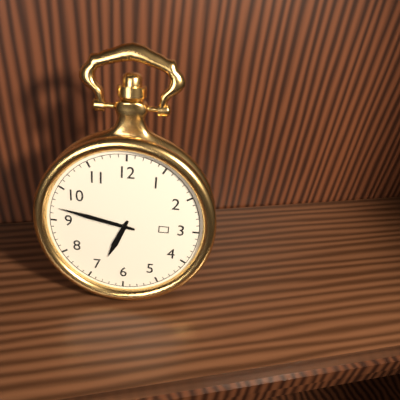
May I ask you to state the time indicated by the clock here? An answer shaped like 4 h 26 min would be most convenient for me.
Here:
6 h 47 min
